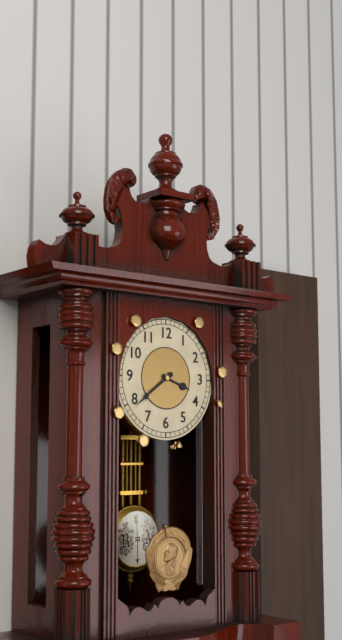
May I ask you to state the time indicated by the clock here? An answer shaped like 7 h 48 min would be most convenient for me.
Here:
3 h 39 min
